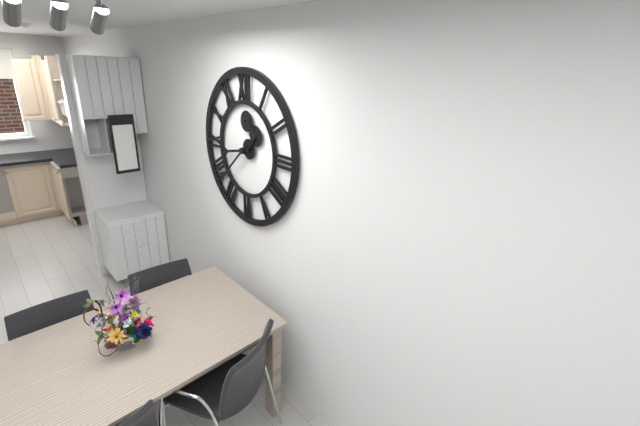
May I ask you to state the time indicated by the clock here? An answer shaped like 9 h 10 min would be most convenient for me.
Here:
8 h 38 min
